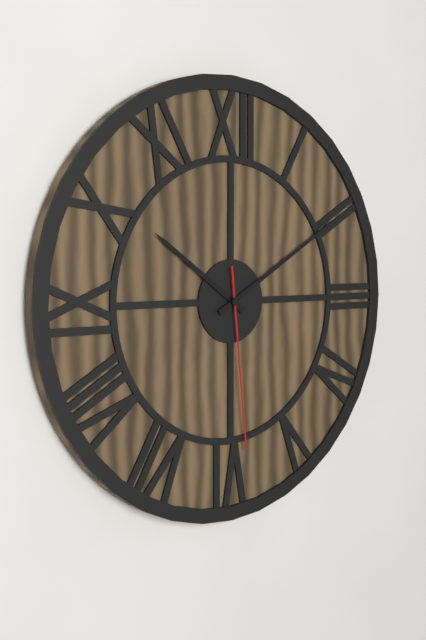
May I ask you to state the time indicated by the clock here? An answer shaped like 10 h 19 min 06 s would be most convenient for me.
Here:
10 h 10 min 29 s
